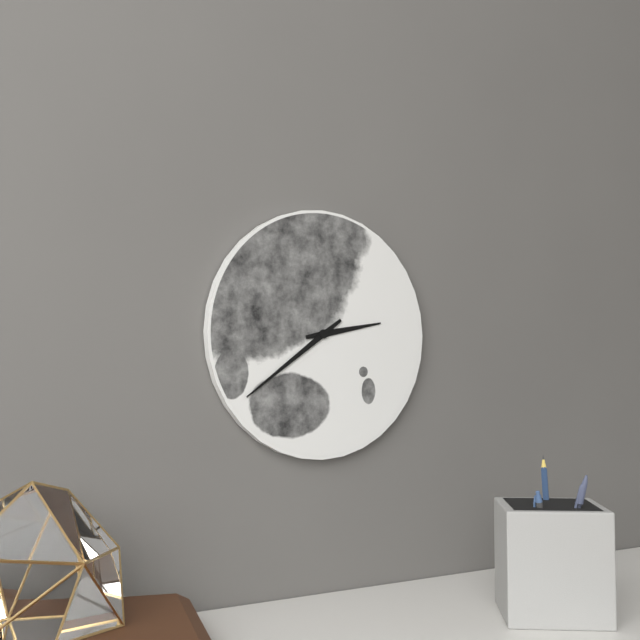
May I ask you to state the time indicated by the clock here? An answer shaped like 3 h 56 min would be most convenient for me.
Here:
2 h 39 min
